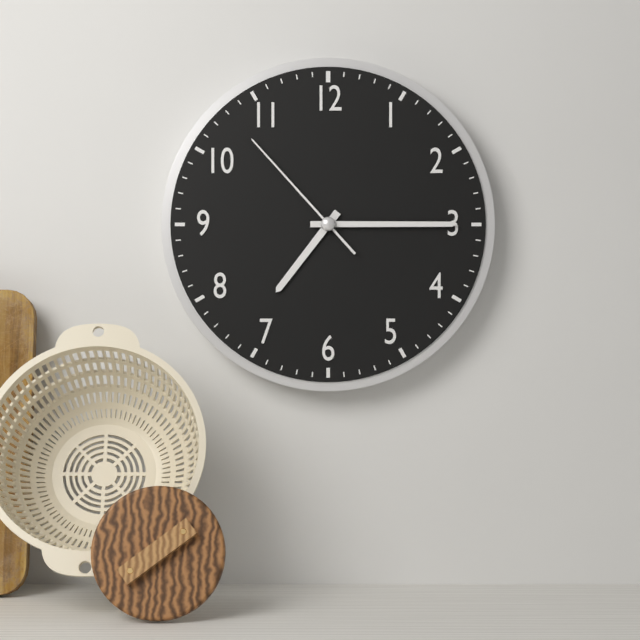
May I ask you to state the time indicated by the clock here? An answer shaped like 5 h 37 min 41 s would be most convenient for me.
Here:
7 h 15 min 53 s
